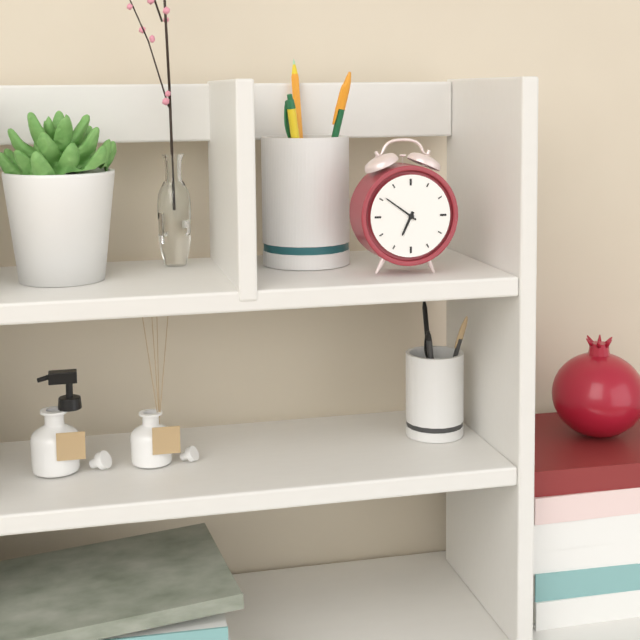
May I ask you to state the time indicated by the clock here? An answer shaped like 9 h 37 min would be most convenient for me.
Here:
6 h 51 min
